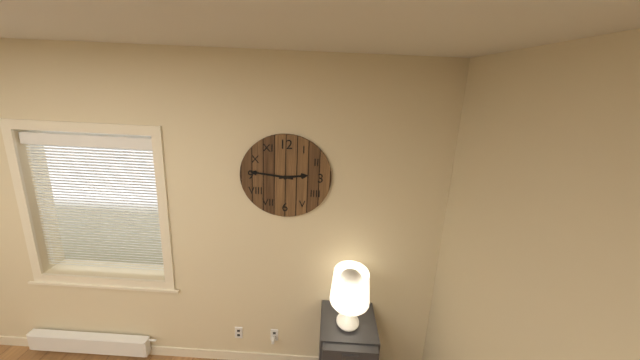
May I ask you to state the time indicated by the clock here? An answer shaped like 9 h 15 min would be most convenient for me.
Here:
2 h 46 min
